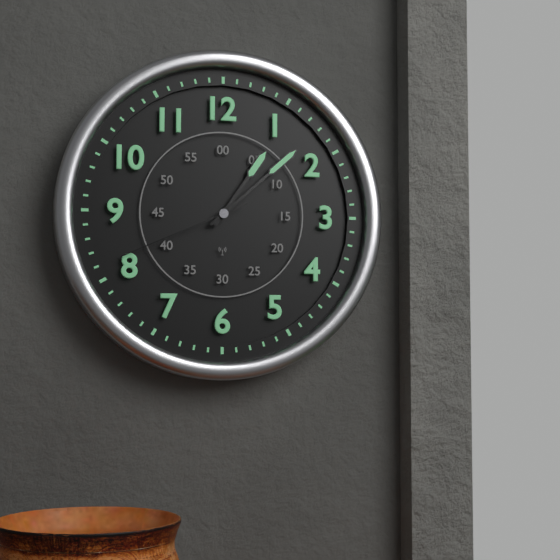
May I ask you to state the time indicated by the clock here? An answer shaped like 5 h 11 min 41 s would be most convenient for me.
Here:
1 h 08 min 41 s
